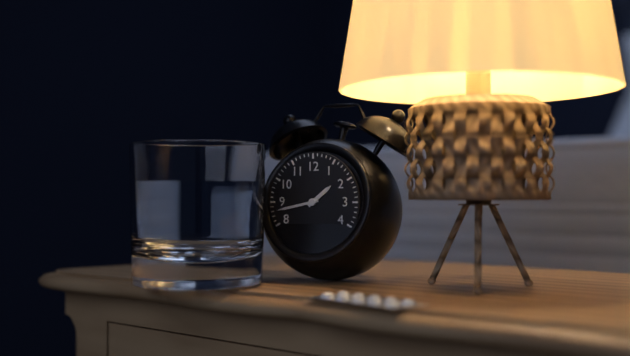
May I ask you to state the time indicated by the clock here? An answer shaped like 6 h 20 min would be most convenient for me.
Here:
1 h 43 min
